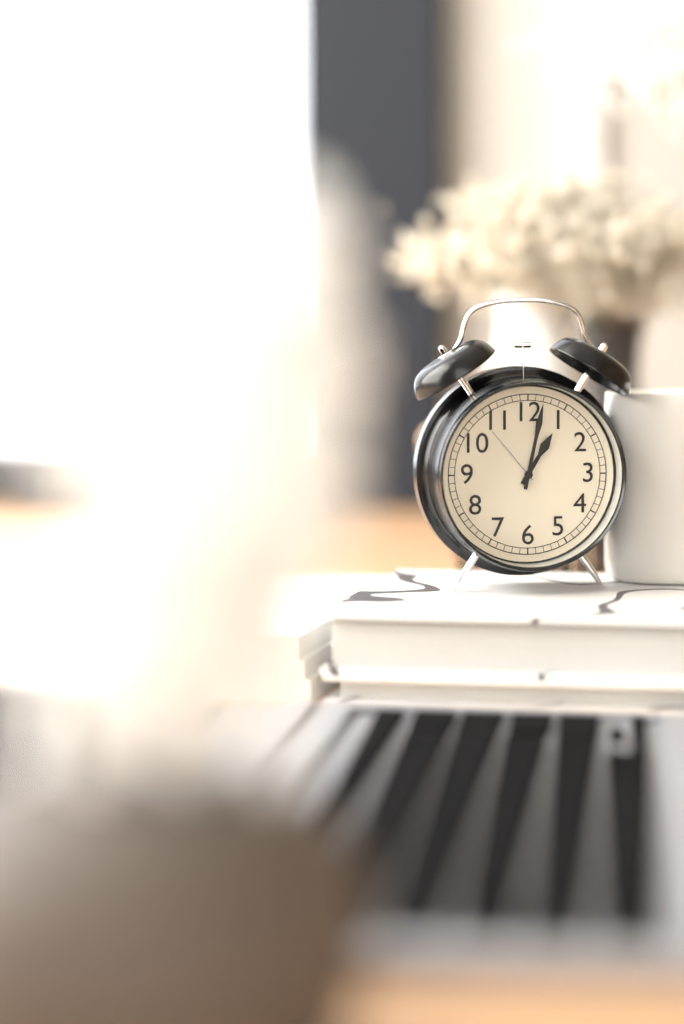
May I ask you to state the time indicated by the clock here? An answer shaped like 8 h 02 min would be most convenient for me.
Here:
1 h 02 min
